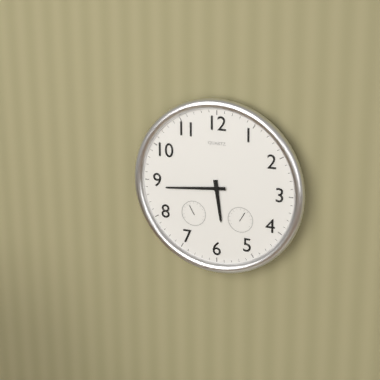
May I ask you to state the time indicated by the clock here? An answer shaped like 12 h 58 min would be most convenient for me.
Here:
5 h 44 min
